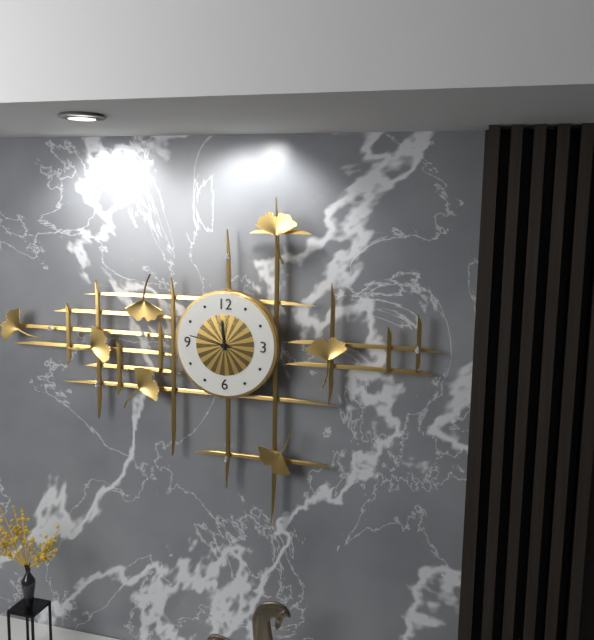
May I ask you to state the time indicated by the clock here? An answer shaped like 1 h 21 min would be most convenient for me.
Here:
11 h 47 min
